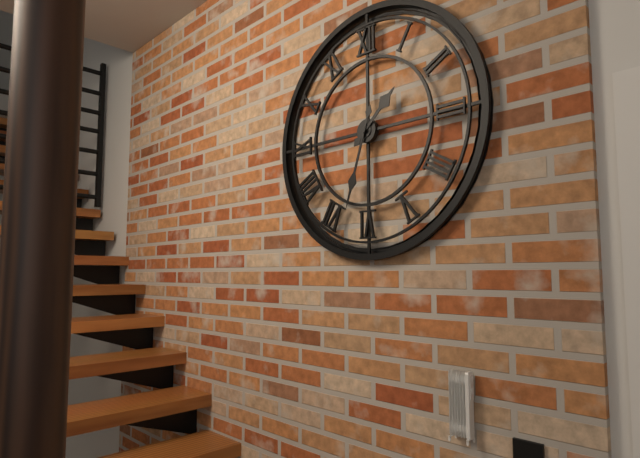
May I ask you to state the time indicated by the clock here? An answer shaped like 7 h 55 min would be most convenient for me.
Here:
1 h 33 min
